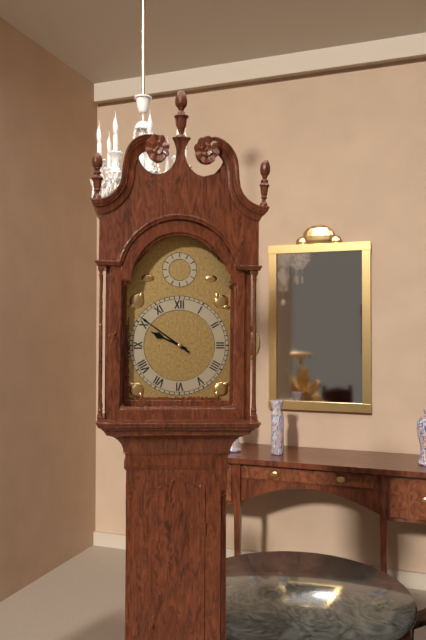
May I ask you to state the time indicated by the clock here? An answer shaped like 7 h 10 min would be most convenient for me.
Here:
9 h 51 min
